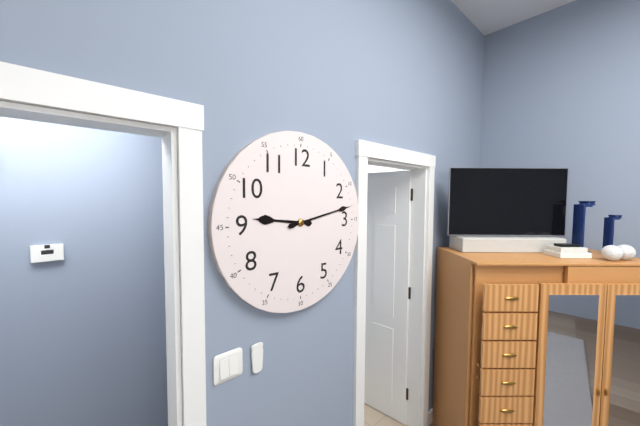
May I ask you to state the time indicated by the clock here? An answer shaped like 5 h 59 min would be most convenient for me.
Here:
9 h 13 min
